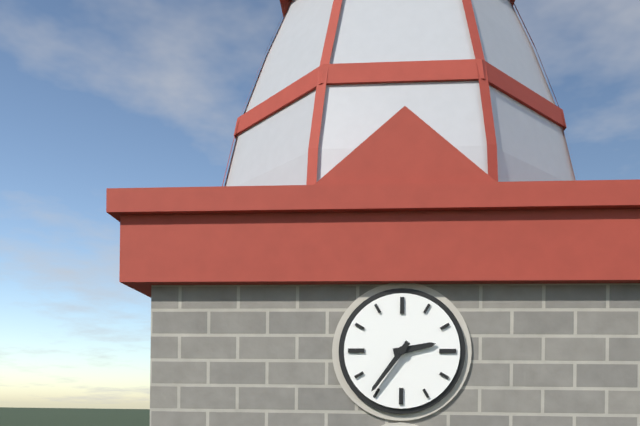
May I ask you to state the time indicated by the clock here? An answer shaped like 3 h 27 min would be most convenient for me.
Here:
2 h 36 min
